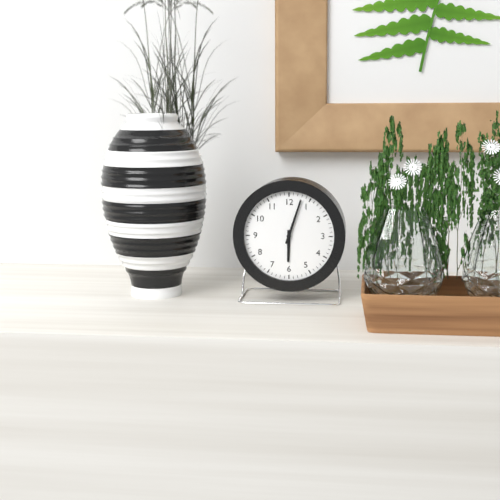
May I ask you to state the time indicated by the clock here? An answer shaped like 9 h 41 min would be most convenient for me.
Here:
6 h 03 min
